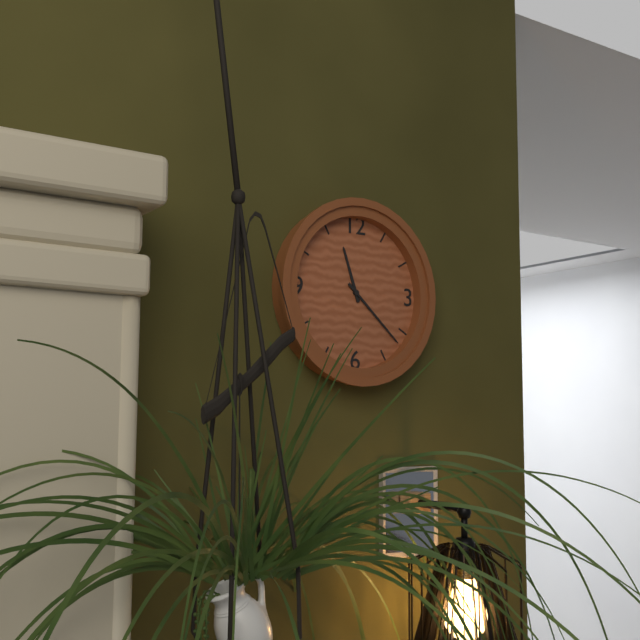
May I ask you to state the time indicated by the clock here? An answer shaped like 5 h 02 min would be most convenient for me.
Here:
11 h 22 min
